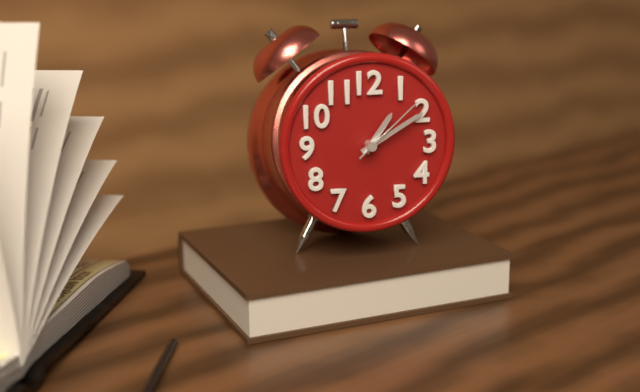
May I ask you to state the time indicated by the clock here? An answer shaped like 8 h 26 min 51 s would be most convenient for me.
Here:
1 h 10 min 08 s
